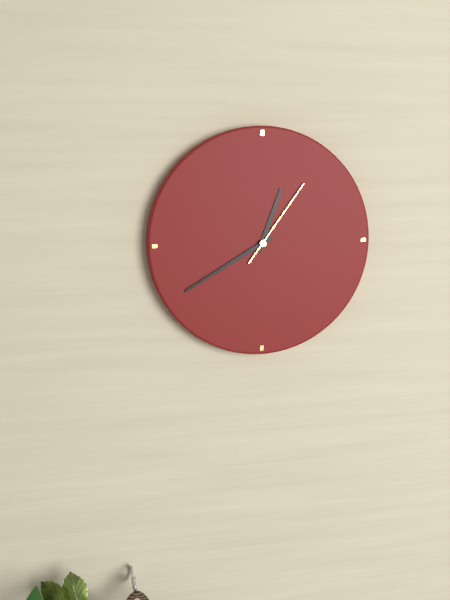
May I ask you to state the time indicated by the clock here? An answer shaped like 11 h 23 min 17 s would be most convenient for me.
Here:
12 h 40 min 06 s
